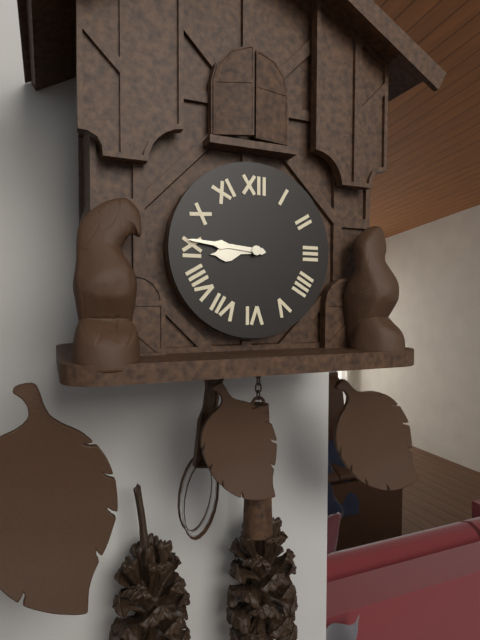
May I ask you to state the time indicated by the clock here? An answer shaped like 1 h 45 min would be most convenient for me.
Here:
8 h 46 min
